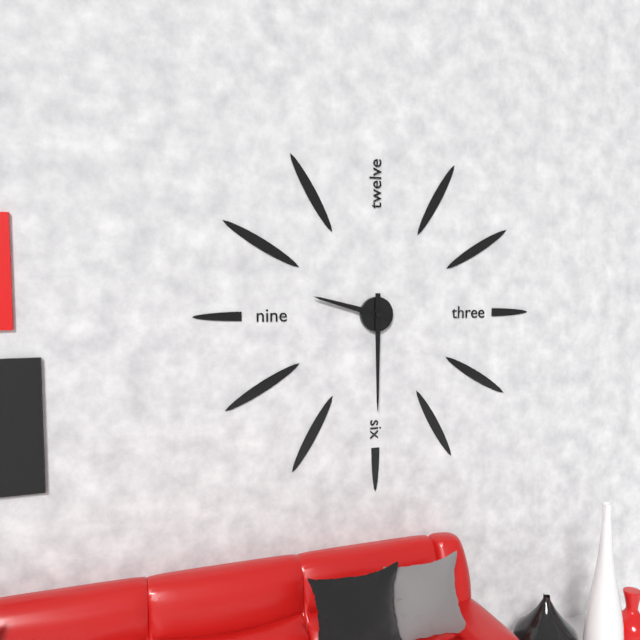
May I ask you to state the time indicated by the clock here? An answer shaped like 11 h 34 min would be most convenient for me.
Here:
9 h 30 min
